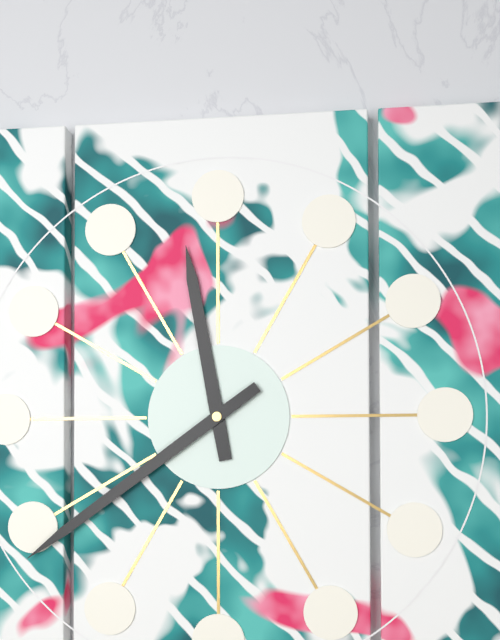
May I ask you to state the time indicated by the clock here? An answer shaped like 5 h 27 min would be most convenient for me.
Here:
11 h 39 min
